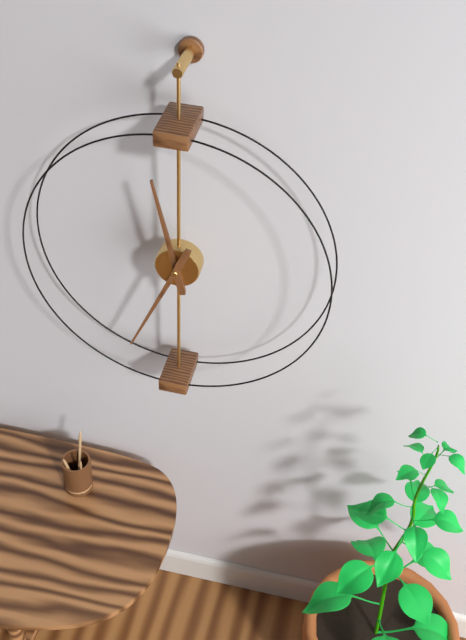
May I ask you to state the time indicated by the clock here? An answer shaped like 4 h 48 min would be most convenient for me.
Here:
11 h 34 min
